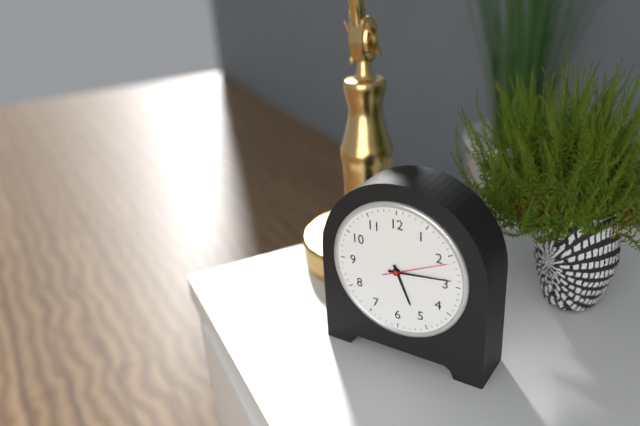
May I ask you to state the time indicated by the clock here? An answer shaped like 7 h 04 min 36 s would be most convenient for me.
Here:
5 h 14 min 11 s
